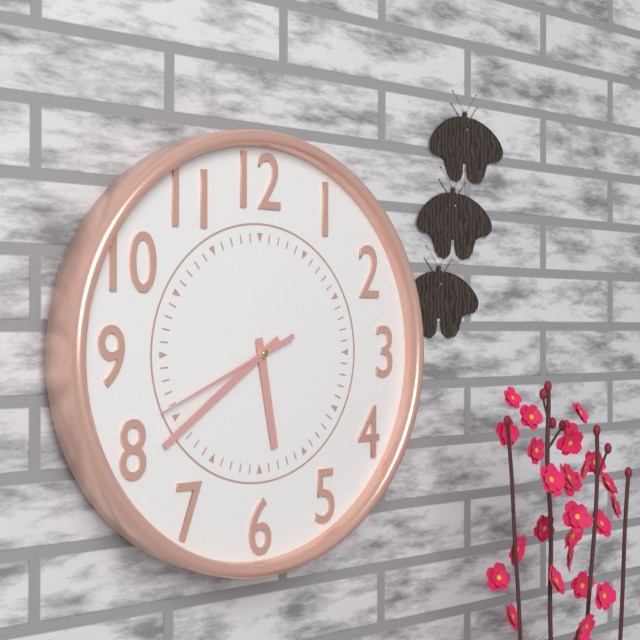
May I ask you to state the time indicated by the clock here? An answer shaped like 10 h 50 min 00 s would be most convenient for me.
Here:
5 h 39 min 41 s
